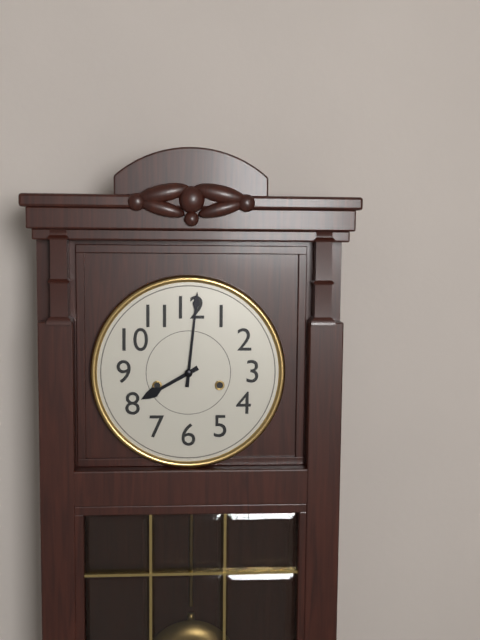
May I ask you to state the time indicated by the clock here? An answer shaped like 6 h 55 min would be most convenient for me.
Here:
8 h 01 min
